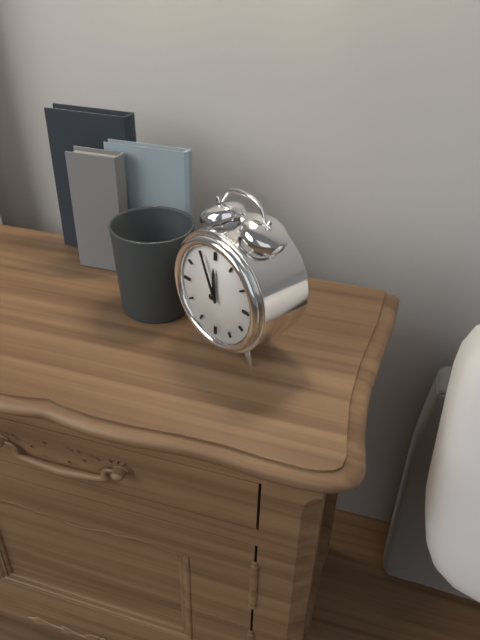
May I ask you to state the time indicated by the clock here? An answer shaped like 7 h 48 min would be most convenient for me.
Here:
11 h 56 min
